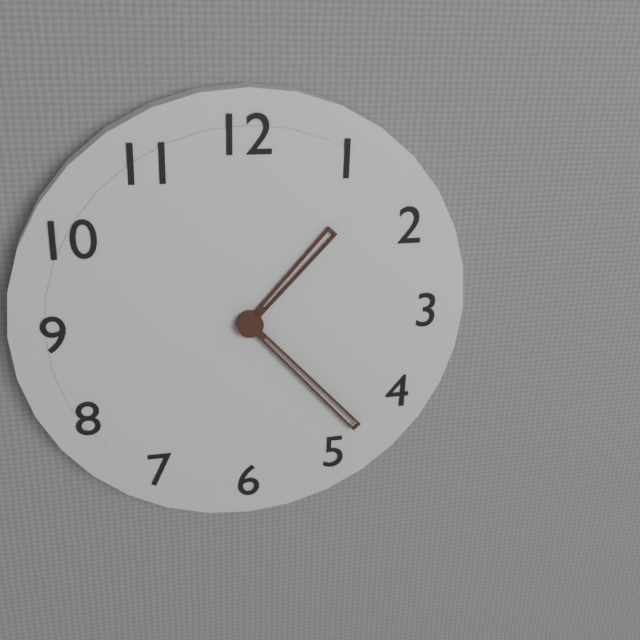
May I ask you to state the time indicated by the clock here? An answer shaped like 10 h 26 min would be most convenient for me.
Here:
1 h 23 min
